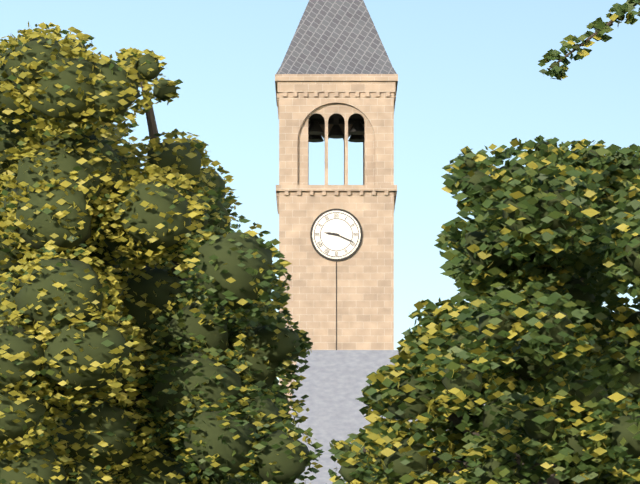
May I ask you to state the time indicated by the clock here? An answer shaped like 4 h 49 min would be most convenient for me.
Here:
9 h 19 min
